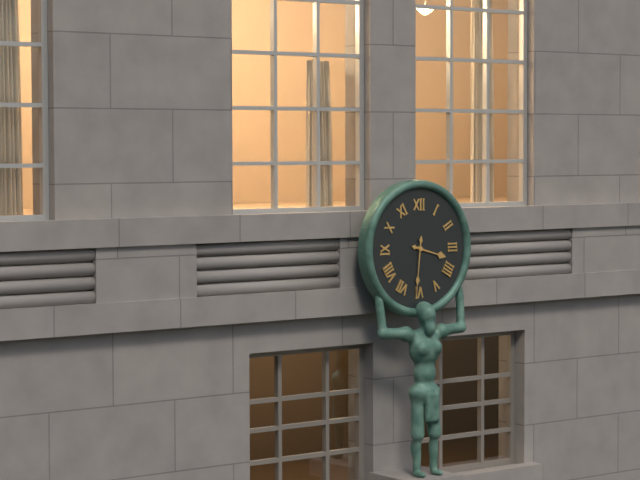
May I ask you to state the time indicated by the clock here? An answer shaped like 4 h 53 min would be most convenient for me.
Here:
3 h 31 min
